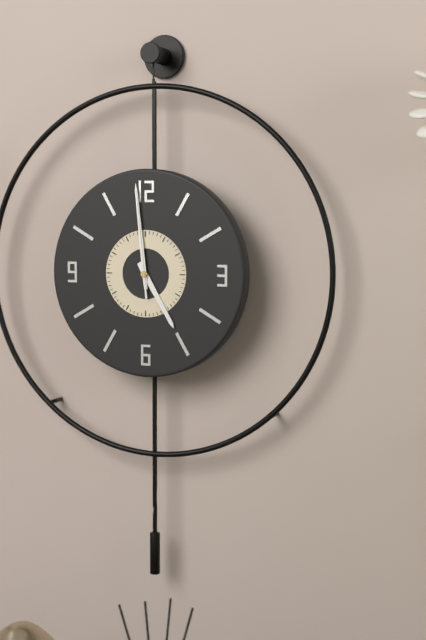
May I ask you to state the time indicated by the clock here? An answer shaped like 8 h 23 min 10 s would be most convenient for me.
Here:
4 h 59 min 59 s
